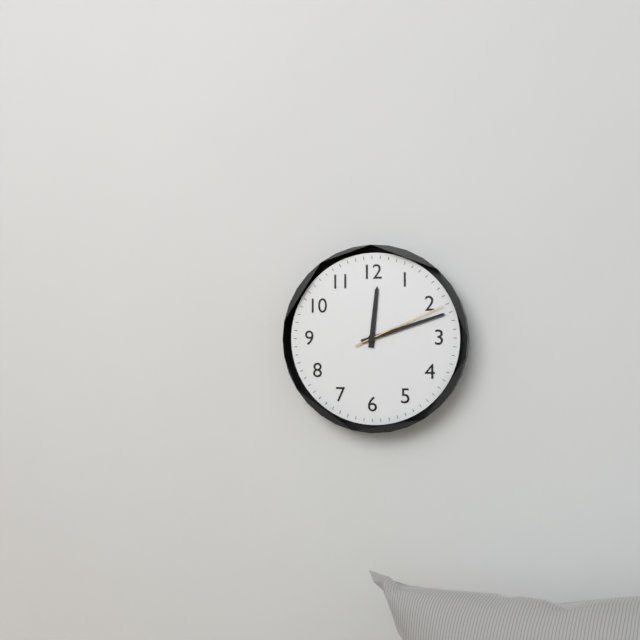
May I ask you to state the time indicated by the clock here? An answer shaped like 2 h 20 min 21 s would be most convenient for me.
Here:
12 h 12 min 11 s
